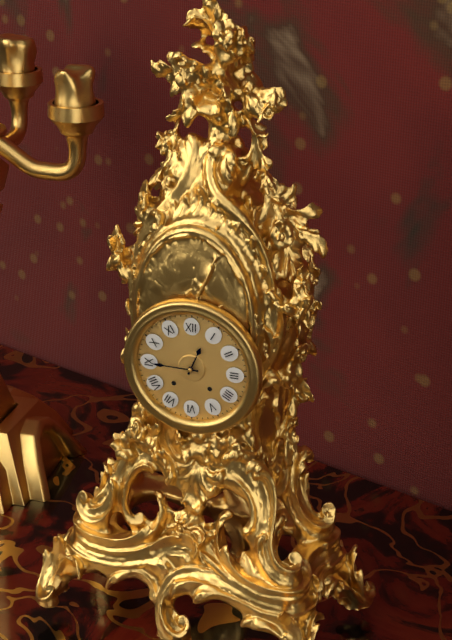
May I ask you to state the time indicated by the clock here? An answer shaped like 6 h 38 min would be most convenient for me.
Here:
12 h 45 min
